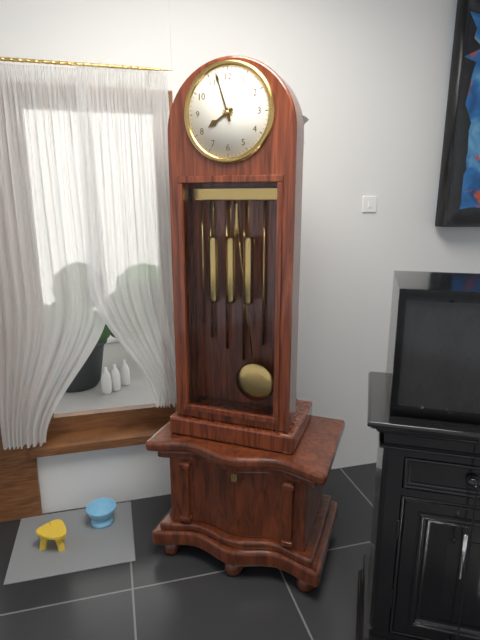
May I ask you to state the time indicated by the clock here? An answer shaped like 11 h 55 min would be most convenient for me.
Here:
7 h 57 min
